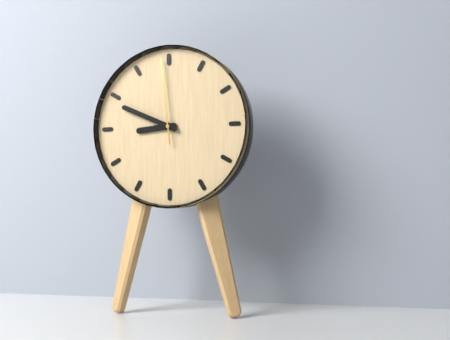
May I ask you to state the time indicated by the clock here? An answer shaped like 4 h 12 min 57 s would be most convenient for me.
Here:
8 h 49 min 59 s
